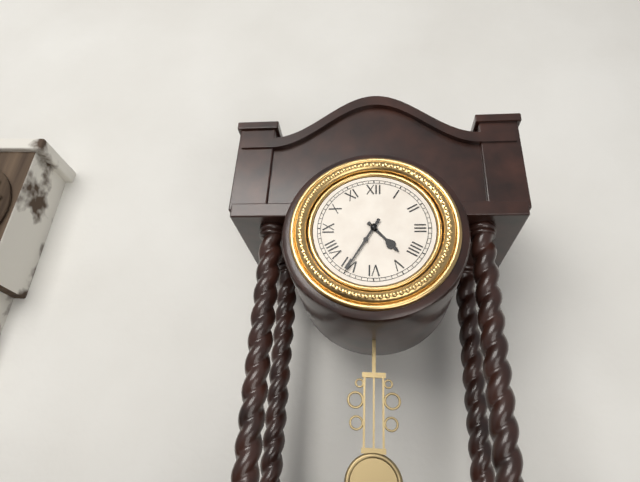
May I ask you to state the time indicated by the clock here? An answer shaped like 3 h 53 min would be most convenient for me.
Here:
4 h 35 min
